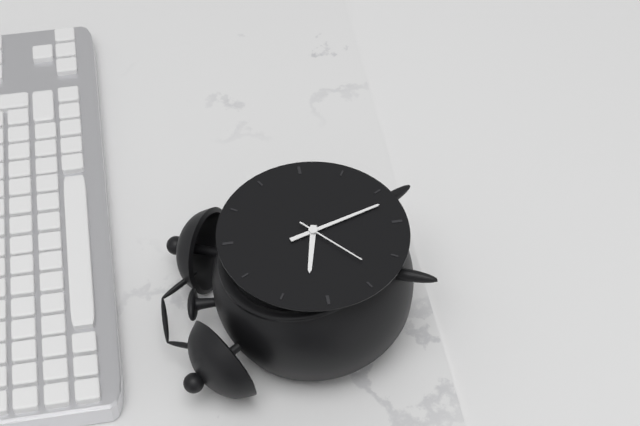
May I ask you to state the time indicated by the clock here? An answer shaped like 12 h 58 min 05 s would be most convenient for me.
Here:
9 h 27 min 38 s
